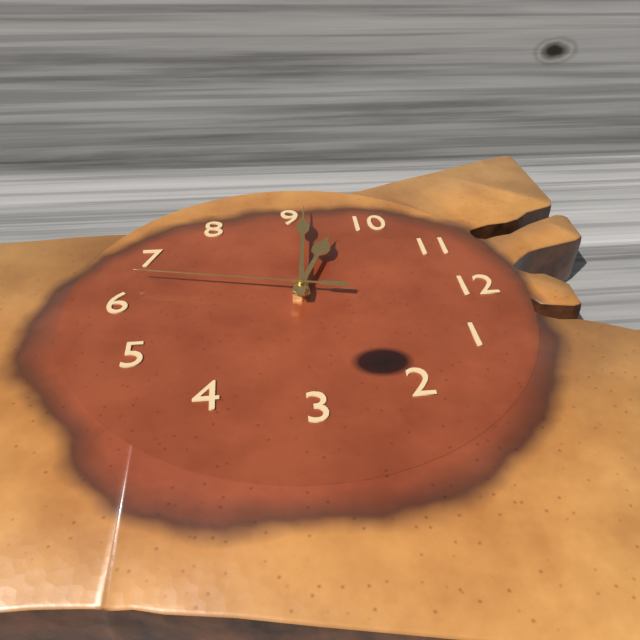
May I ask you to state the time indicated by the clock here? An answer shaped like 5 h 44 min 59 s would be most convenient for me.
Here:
9 h 46 min 32 s
